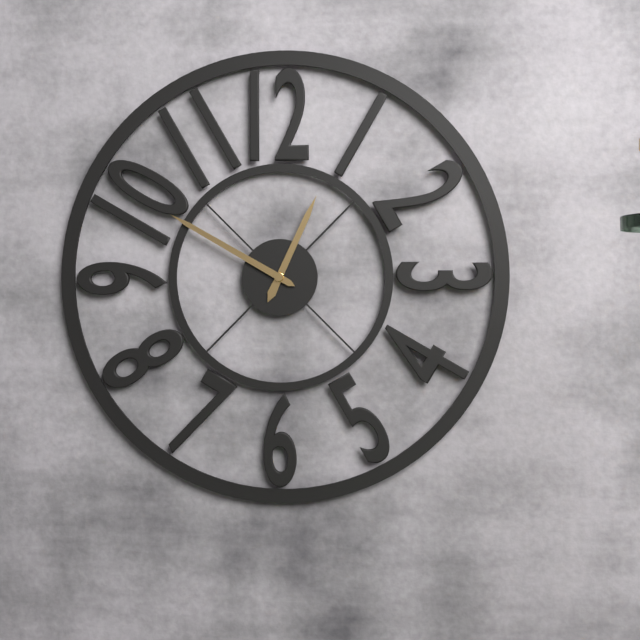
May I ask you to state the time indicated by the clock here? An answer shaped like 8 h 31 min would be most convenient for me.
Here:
12 h 50 min
